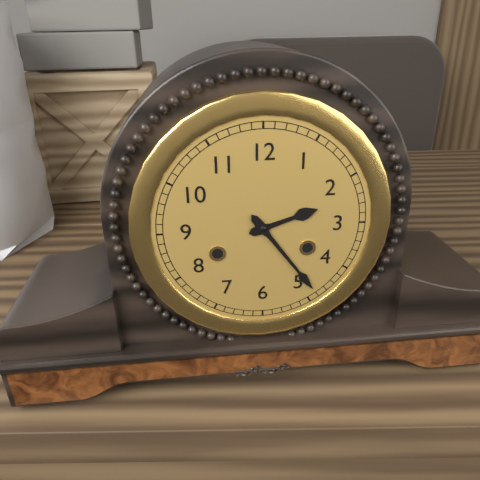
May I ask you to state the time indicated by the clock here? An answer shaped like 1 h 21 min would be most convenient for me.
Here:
2 h 24 min
